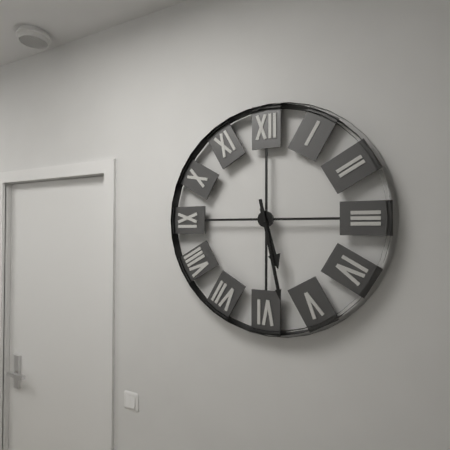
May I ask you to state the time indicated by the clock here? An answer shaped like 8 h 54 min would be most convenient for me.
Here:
5 h 28 min
